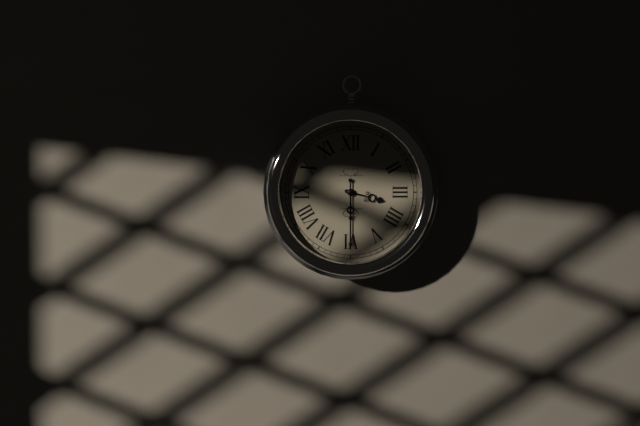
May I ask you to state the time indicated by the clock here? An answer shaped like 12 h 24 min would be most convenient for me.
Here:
3 h 30 min
